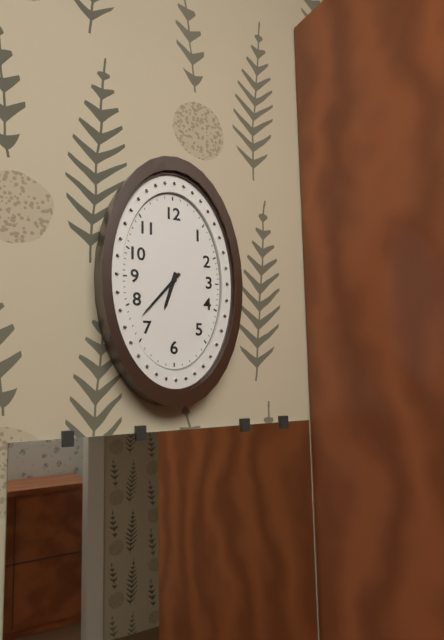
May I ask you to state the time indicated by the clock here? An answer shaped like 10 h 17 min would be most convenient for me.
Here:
6 h 37 min
